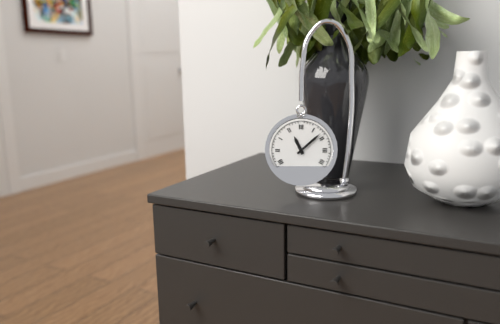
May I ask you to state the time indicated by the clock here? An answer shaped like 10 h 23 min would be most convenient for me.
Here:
11 h 08 min
